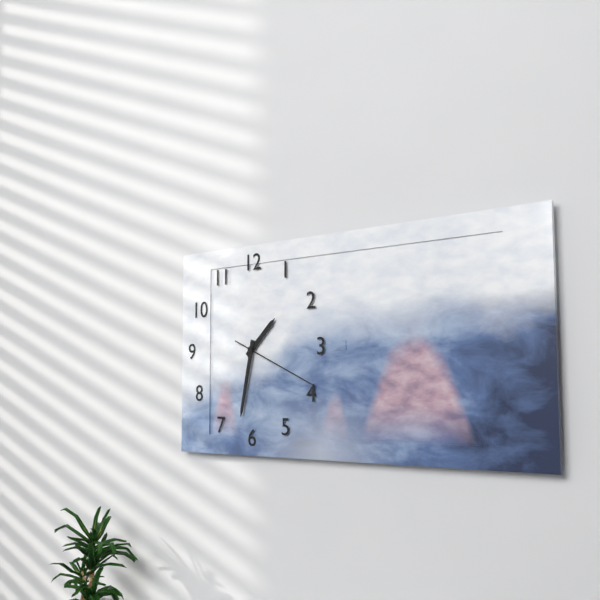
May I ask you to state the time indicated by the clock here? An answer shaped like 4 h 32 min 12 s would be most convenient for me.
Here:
1 h 32 min 19 s
